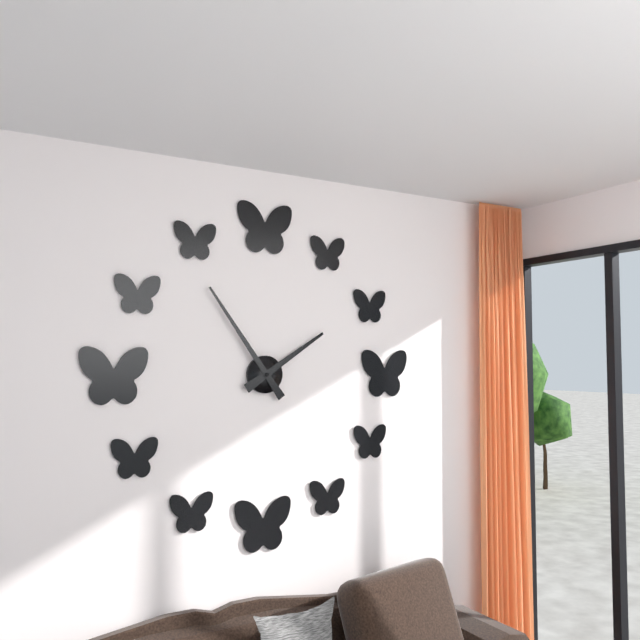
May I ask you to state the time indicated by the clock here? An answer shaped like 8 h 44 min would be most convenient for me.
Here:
1 h 54 min
